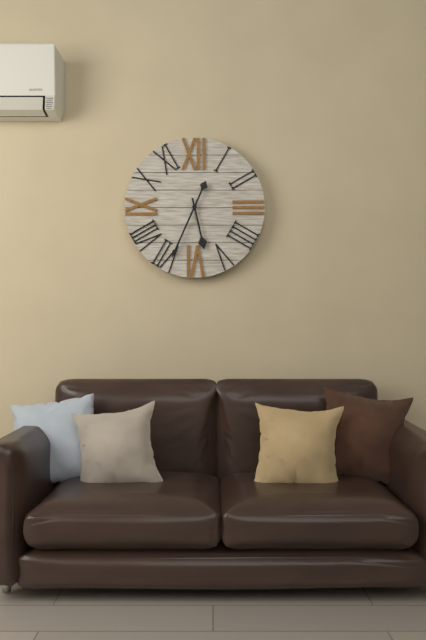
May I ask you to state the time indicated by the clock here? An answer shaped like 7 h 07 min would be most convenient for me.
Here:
5 h 34 min
